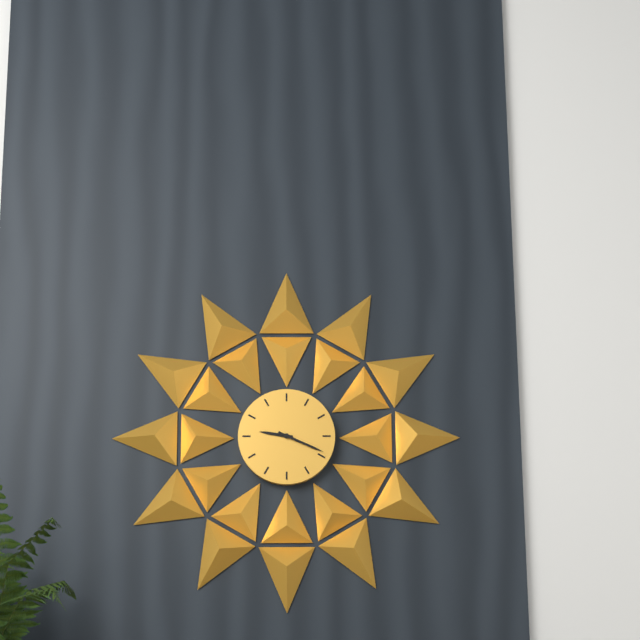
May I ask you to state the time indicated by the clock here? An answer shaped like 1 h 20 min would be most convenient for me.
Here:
9 h 19 min
